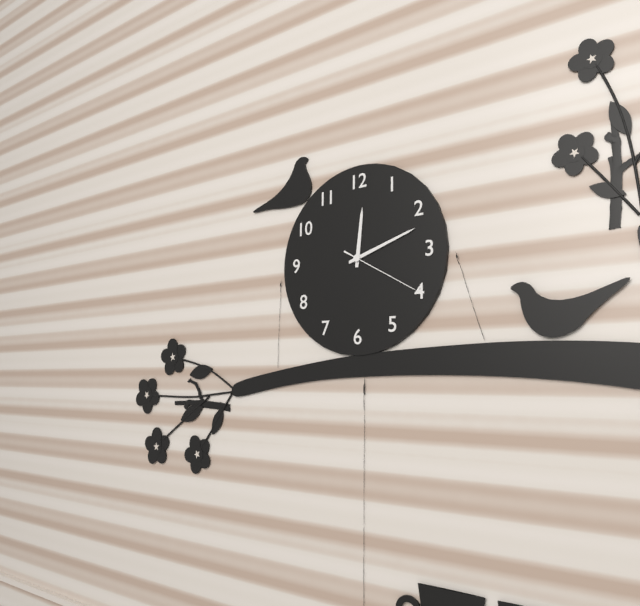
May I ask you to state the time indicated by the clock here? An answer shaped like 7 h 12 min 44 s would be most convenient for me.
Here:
12 h 12 min 20 s
